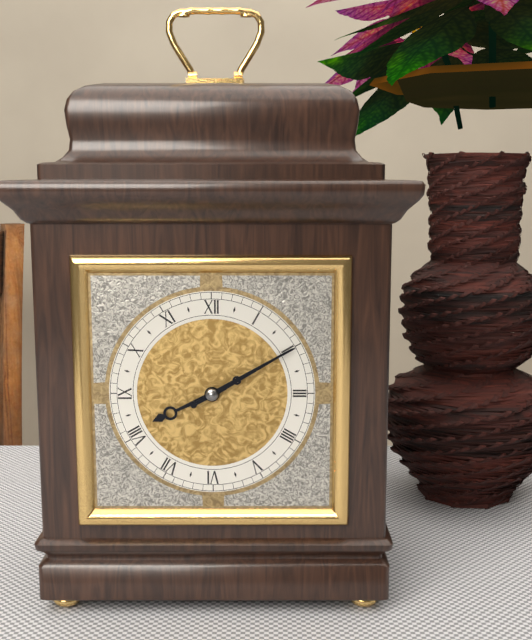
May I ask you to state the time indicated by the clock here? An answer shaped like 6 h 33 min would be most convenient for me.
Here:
8 h 10 min
